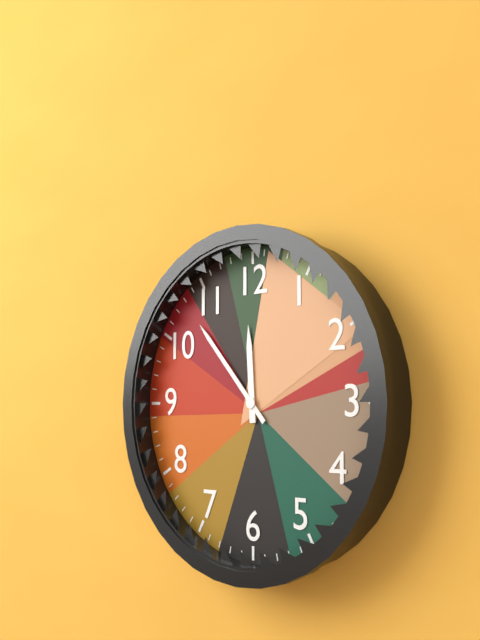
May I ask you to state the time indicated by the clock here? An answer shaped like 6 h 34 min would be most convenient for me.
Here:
11 h 53 min
